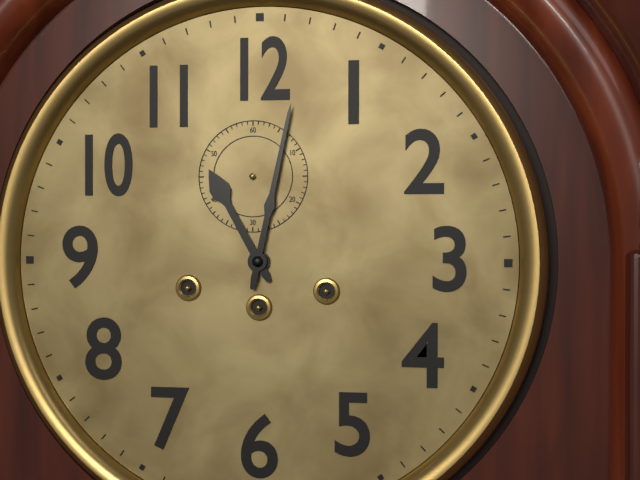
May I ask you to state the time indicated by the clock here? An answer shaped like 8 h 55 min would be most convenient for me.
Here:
11 h 02 min
